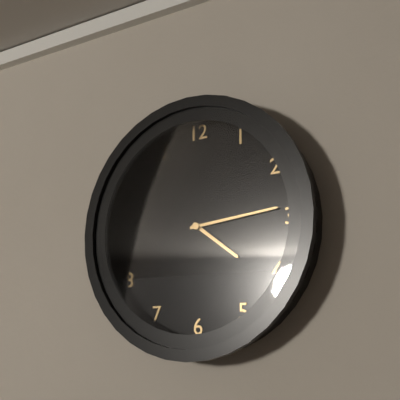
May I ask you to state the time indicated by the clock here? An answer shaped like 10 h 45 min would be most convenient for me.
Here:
4 h 14 min
